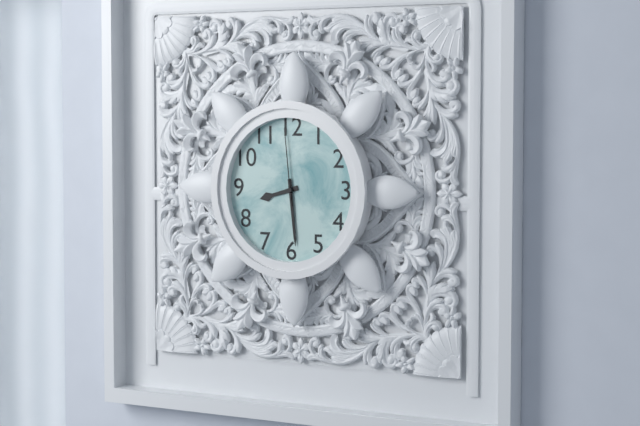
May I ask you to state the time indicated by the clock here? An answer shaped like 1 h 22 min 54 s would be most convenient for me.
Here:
8 h 29 min 59 s
